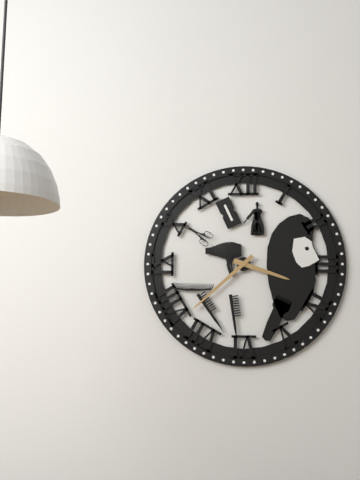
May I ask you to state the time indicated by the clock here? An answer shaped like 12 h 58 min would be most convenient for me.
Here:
3 h 38 min
